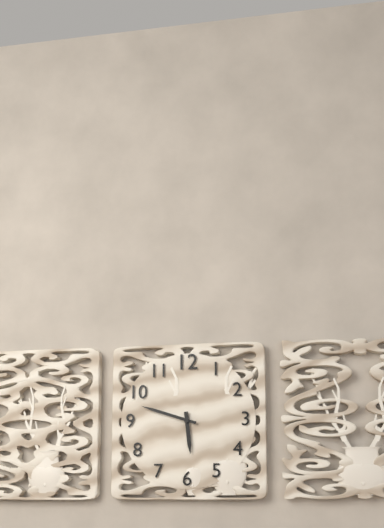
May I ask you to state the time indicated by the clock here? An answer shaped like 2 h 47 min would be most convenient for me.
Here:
5 h 48 min
